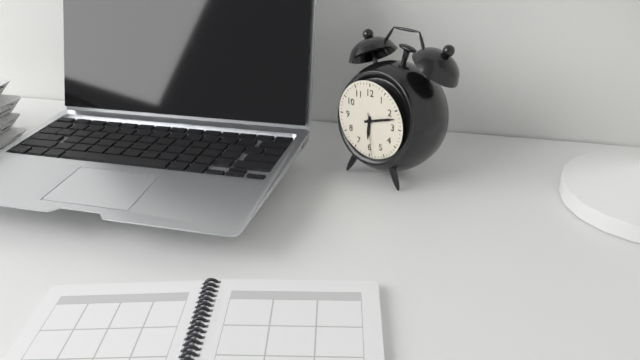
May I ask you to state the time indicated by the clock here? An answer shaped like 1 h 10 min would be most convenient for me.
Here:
6 h 12 min
